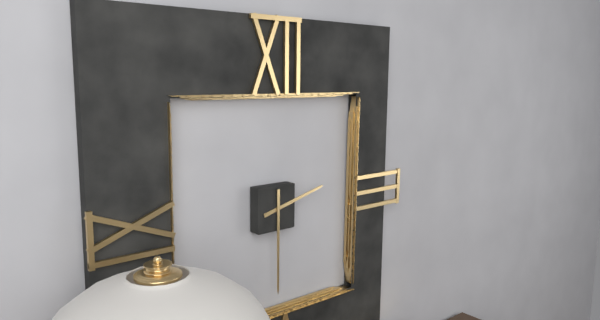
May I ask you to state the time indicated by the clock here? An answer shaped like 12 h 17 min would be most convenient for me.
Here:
2 h 30 min
